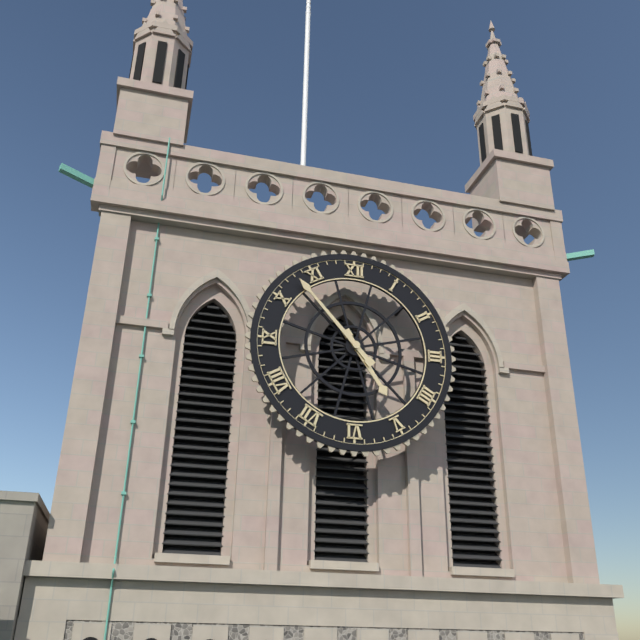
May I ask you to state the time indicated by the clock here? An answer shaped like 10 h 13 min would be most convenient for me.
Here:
4 h 53 min
